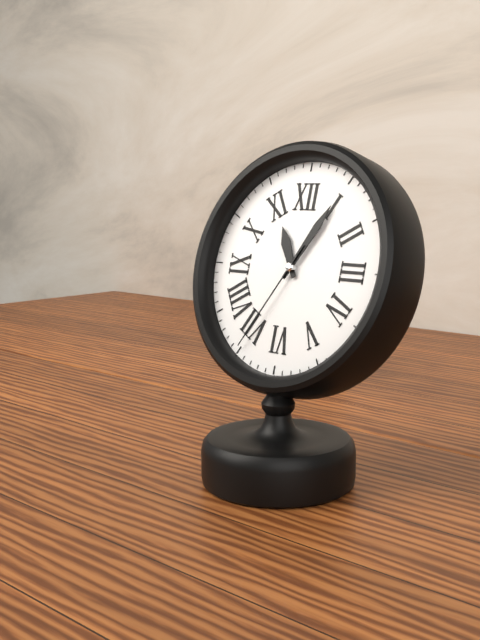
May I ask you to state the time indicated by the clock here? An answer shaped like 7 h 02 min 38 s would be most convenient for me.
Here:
11 h 05 min 35 s
